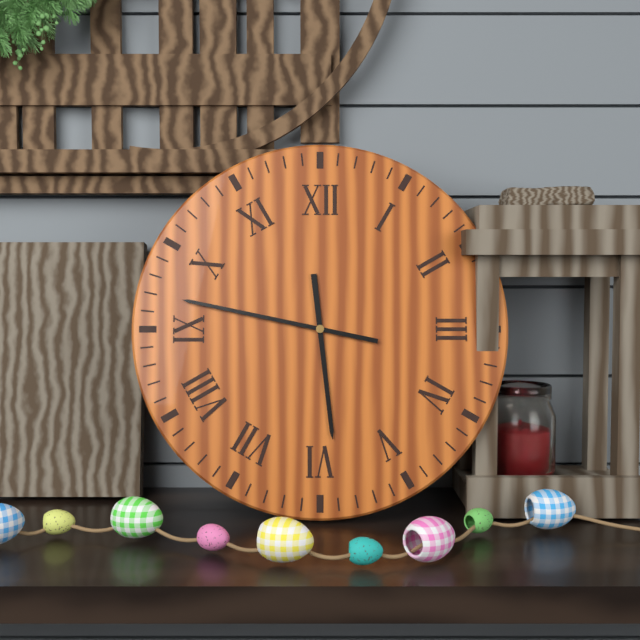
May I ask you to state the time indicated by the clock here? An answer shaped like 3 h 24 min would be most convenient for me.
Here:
5 h 47 min
